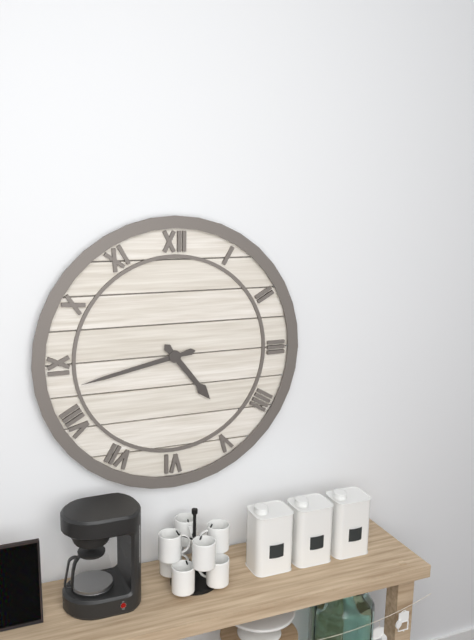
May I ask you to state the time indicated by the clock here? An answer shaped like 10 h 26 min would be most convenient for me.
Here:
4 h 43 min
